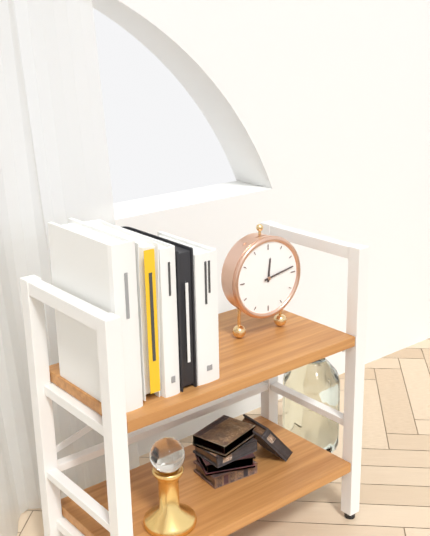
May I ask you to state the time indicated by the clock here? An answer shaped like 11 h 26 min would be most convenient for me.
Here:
12 h 13 min
